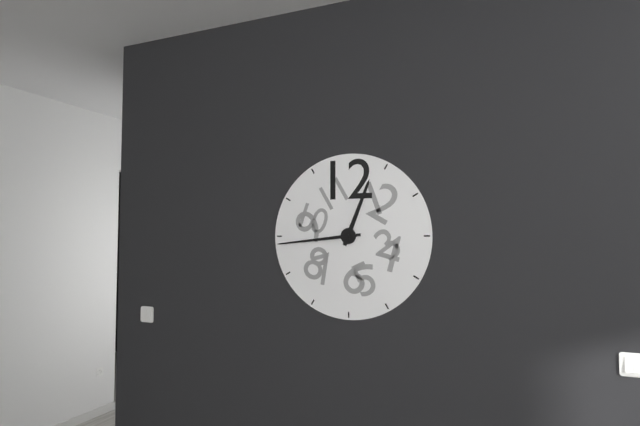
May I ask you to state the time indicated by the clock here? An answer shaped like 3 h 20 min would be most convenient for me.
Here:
12 h 44 min
